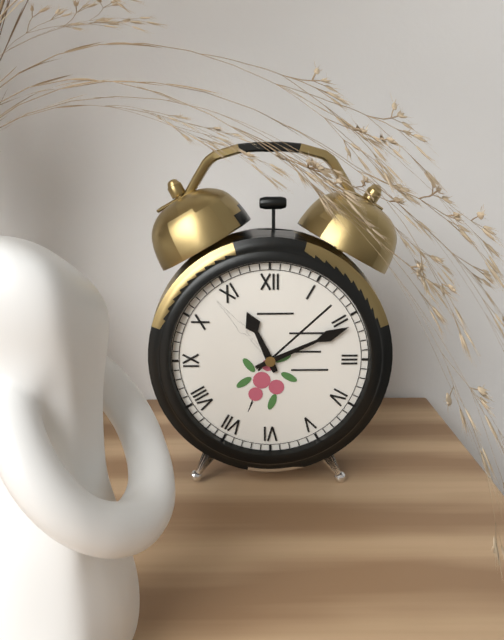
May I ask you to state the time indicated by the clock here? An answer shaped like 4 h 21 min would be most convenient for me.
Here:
11 h 11 min
